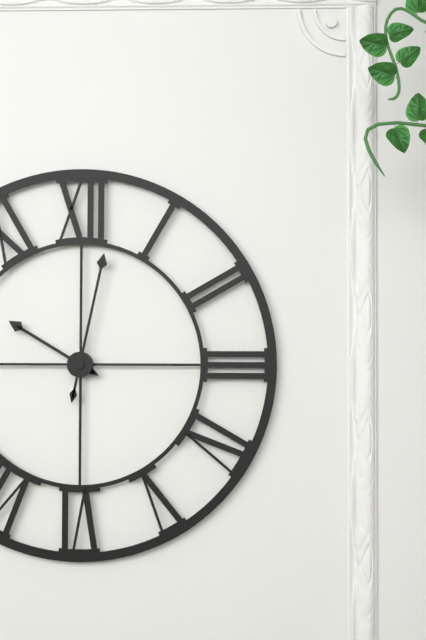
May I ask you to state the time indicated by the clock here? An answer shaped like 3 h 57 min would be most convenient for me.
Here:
10 h 02 min
